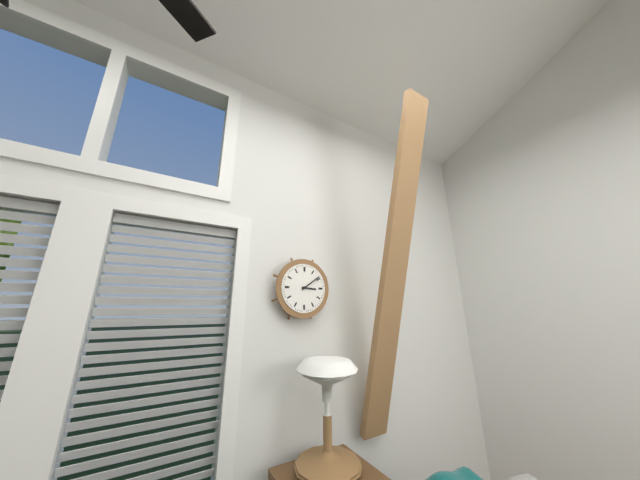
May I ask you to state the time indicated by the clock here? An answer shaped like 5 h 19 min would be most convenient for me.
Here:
3 h 09 min
